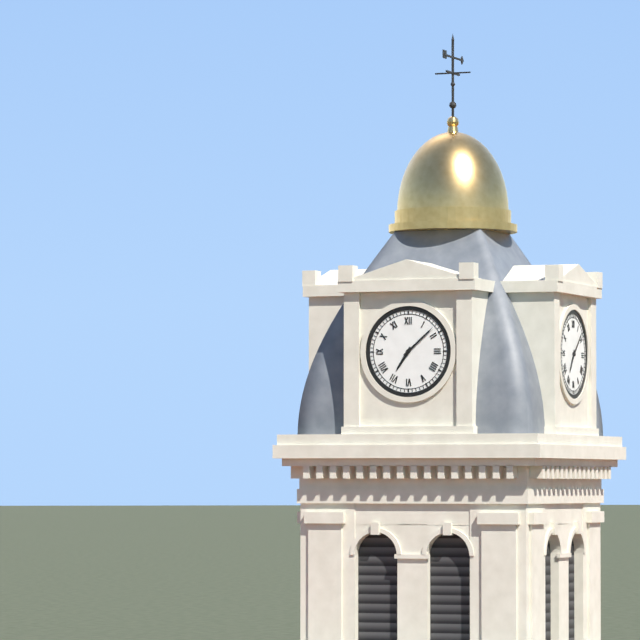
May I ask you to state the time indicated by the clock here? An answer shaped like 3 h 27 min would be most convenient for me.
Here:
7 h 08 min
